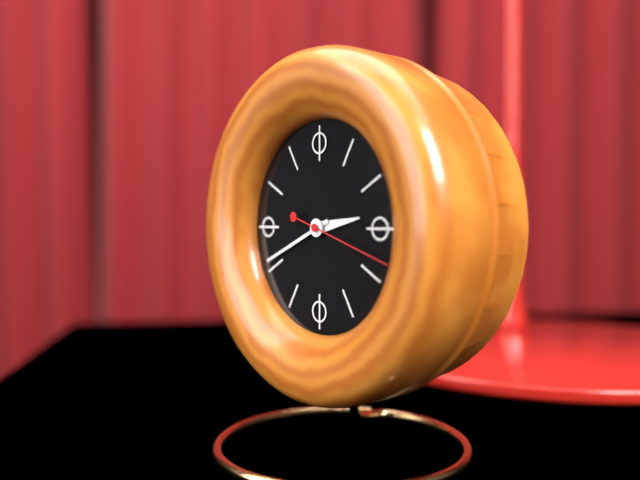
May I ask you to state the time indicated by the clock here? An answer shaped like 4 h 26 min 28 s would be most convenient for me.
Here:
2 h 41 min 18 s
